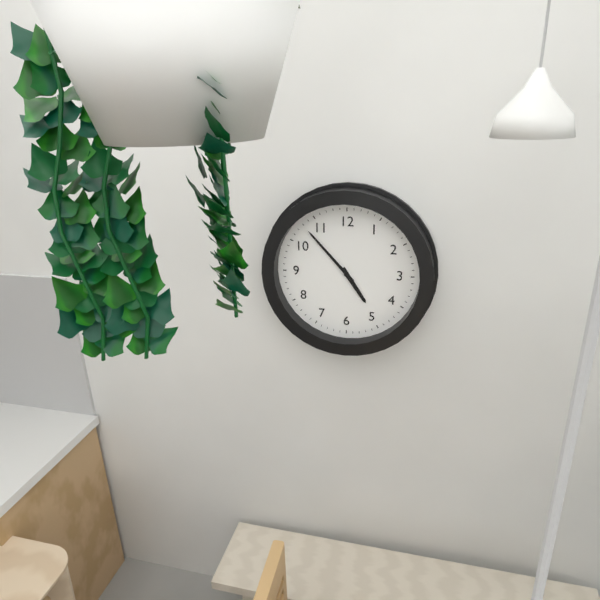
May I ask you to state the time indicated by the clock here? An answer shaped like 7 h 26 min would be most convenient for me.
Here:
4 h 53 min
